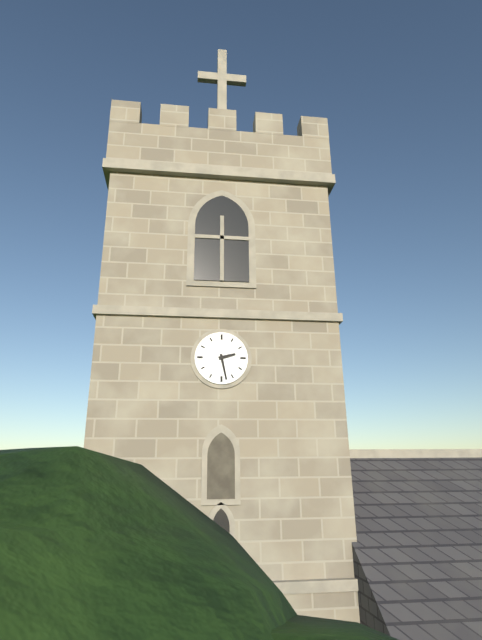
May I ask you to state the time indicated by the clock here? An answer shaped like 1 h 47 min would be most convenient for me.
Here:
2 h 28 min
